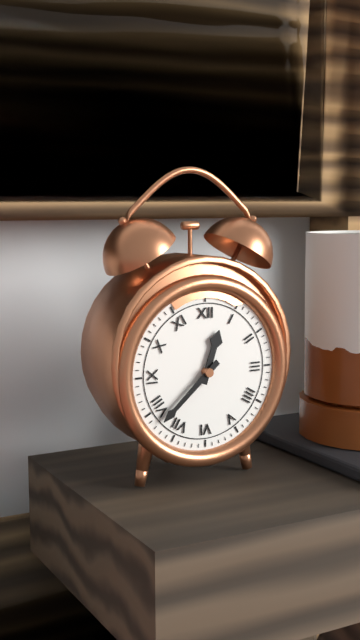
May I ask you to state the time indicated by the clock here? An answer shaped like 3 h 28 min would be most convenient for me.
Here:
12 h 38 min
